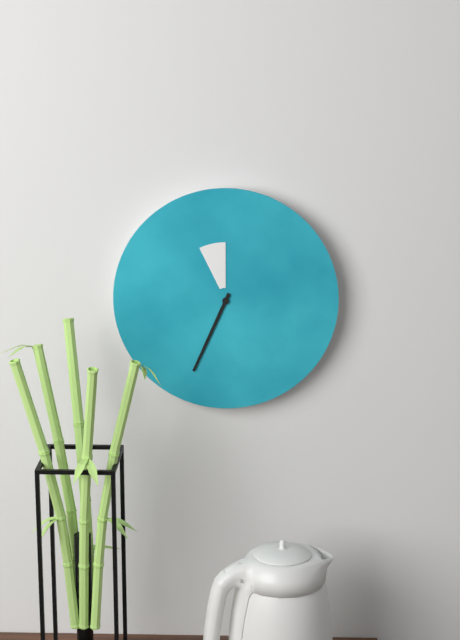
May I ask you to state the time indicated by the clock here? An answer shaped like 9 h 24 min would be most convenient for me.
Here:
11 h 34 min
